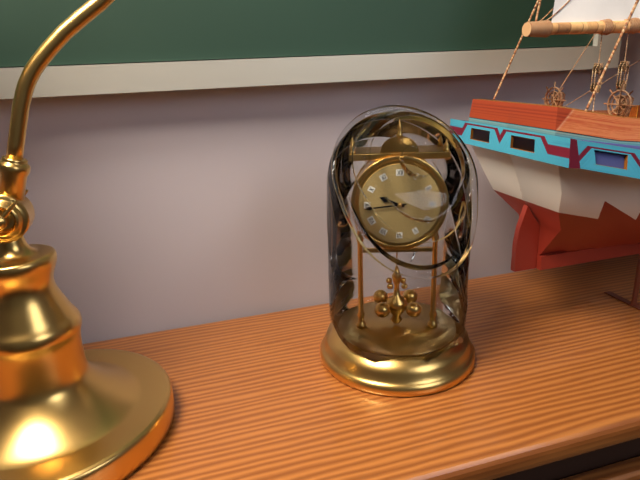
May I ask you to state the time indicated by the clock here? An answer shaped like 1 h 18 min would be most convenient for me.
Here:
9 h 44 min
